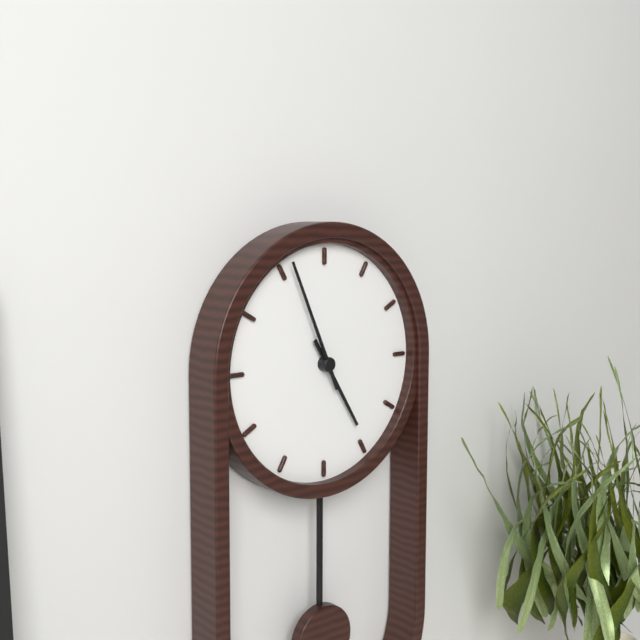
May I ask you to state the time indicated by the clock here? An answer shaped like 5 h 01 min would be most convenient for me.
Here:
4 h 56 min
